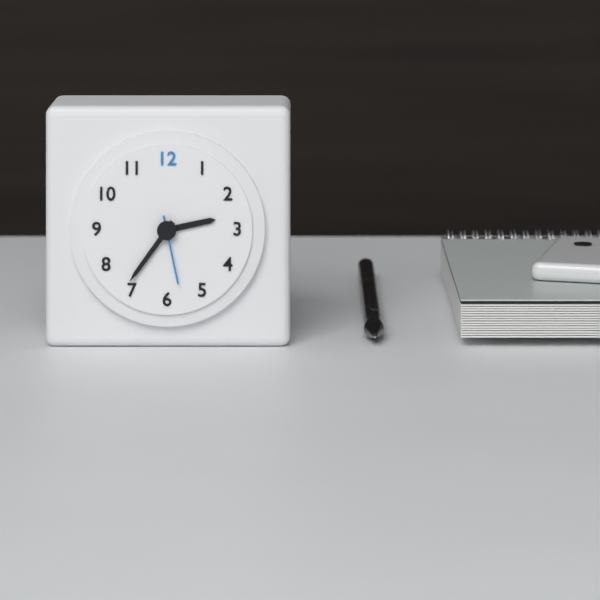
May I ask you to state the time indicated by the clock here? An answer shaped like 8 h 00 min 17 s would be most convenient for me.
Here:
2 h 36 min 28 s
